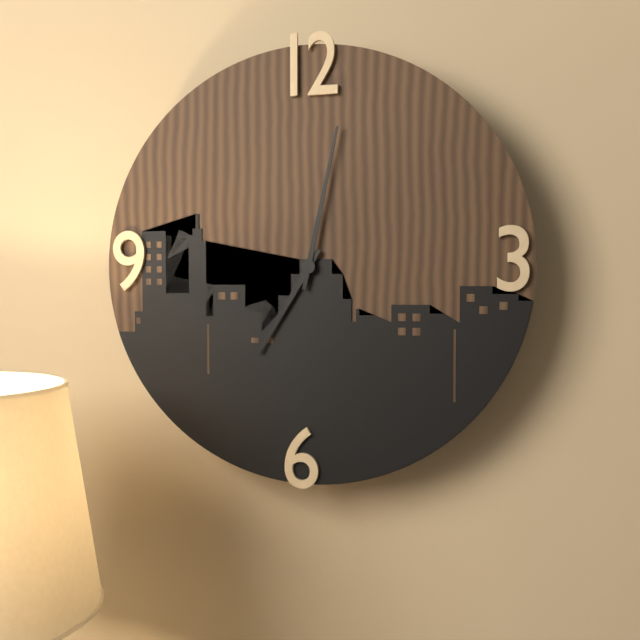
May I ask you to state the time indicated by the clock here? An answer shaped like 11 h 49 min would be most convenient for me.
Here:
7 h 02 min
